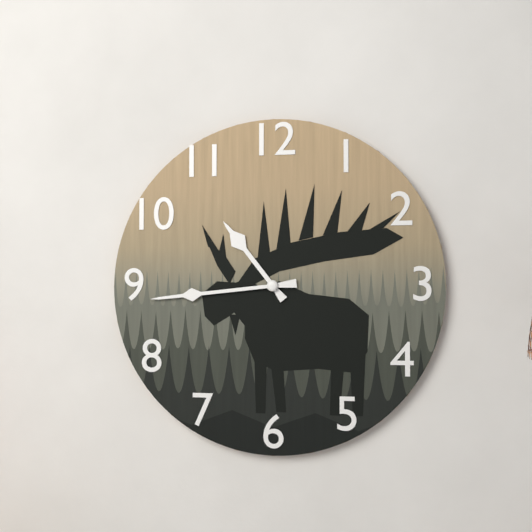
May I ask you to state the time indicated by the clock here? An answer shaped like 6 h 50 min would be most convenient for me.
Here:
10 h 44 min
